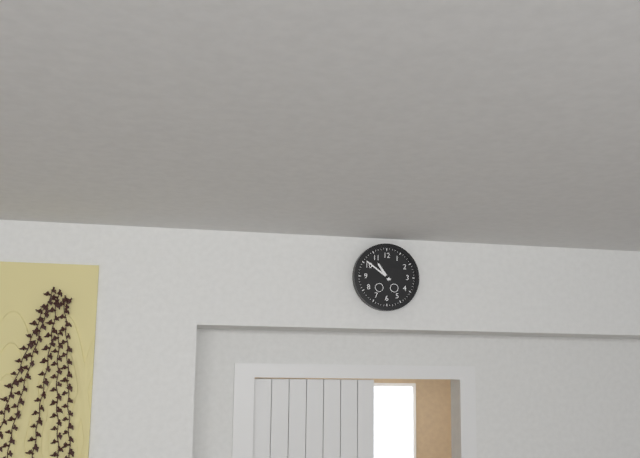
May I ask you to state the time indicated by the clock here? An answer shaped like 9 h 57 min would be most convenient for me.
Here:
10 h 51 min
